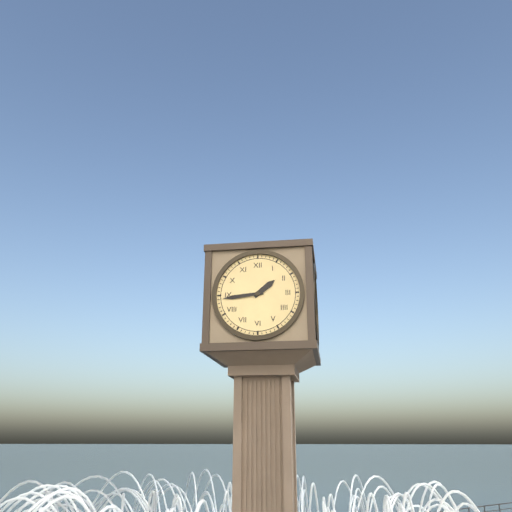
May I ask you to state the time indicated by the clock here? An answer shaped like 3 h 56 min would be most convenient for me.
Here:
1 h 44 min
